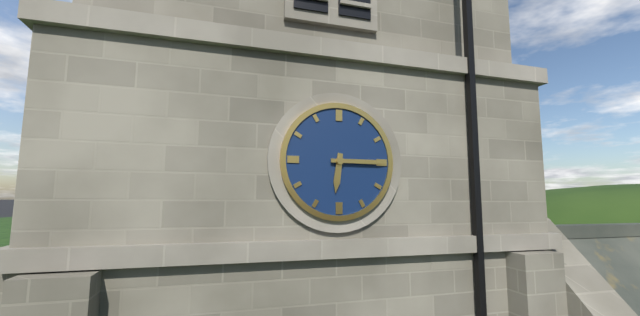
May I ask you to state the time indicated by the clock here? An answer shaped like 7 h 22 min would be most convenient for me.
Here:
6 h 15 min
